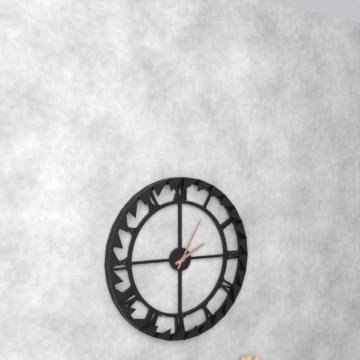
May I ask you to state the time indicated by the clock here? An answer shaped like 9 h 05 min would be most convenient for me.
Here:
2 h 05 min
